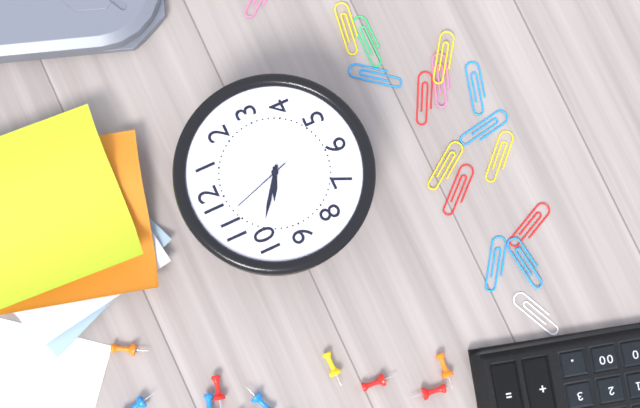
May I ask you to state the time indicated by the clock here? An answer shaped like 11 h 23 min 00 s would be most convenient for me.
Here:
9 h 51 min 57 s
